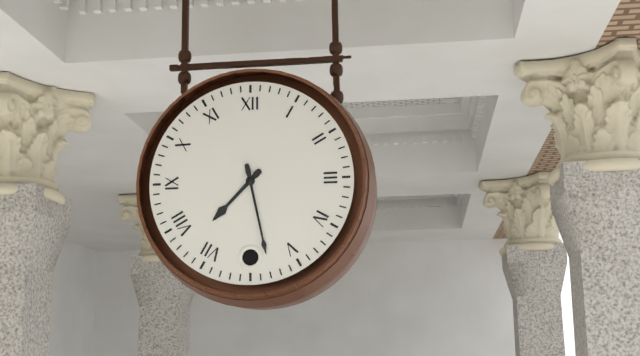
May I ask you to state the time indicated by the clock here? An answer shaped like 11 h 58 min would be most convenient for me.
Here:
7 h 28 min
